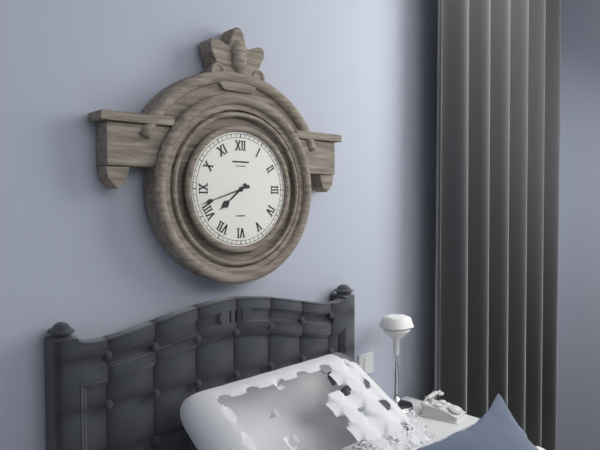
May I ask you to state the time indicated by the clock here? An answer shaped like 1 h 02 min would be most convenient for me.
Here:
7 h 42 min
